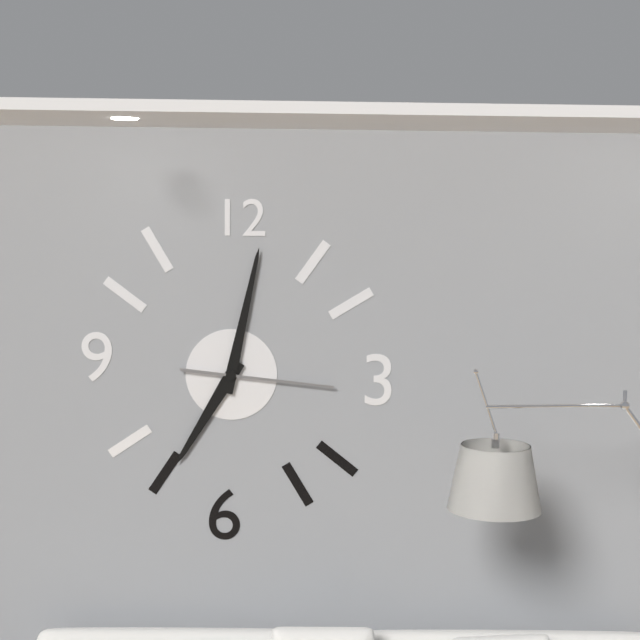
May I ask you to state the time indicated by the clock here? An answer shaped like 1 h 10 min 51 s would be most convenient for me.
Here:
7 h 02 min 16 s
